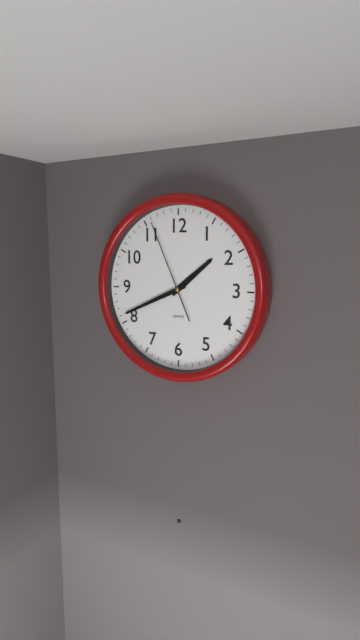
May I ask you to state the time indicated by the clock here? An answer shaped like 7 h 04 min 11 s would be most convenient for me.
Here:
1 h 41 min 56 s
